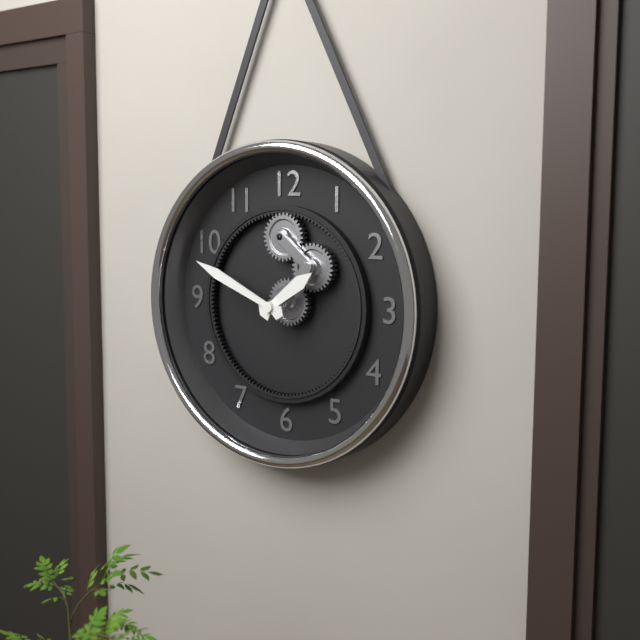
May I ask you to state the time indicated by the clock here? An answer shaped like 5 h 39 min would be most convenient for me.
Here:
1 h 49 min
